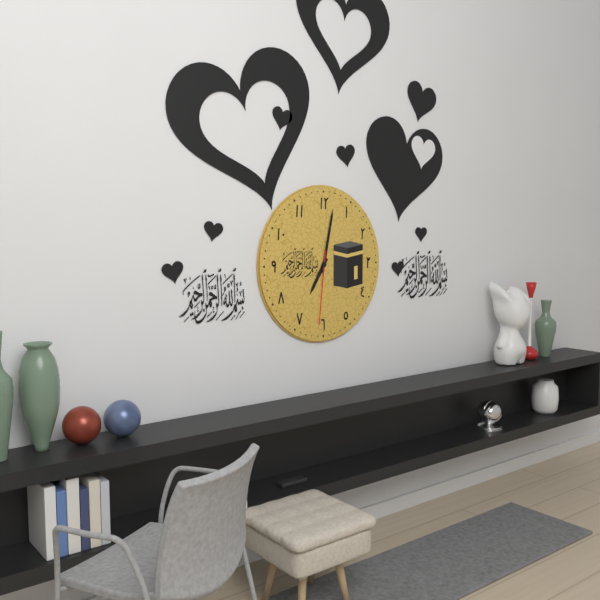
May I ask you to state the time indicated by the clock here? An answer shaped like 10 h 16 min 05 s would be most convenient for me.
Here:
7 h 02 min 31 s
